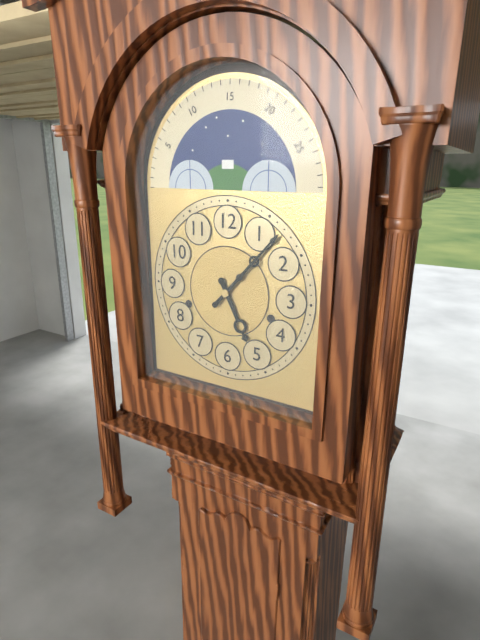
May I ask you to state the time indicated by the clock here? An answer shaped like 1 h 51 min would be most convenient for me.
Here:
5 h 07 min
